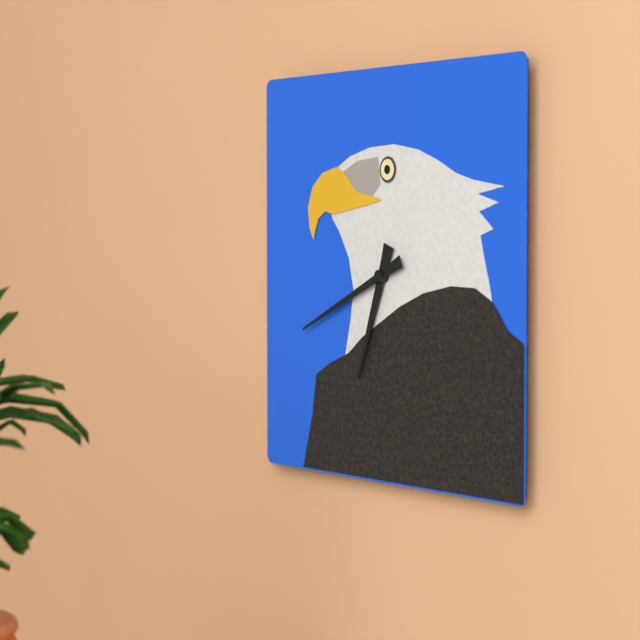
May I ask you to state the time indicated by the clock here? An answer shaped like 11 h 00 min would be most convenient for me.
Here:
6 h 41 min
